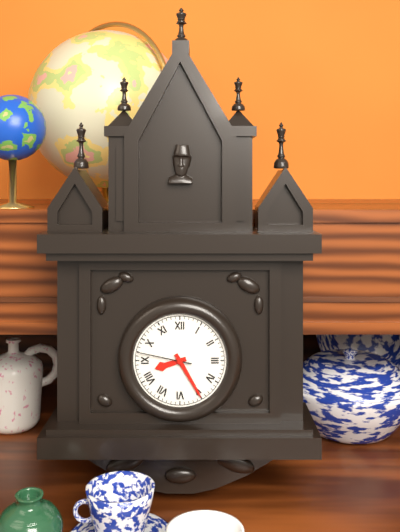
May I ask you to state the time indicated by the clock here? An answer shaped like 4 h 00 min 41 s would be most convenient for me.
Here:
8 h 25 min 47 s
